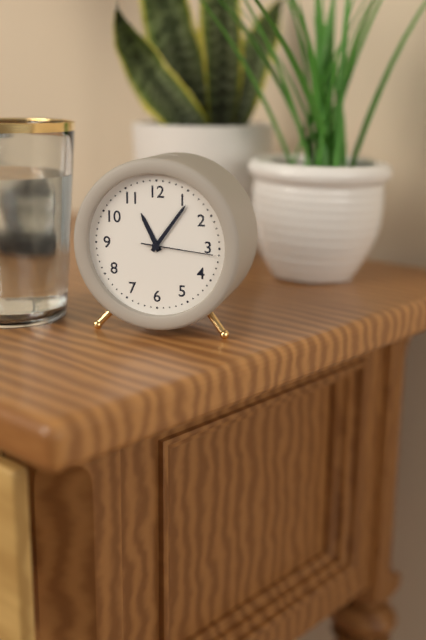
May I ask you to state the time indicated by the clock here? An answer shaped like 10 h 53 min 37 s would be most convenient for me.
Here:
11 h 06 min 16 s
